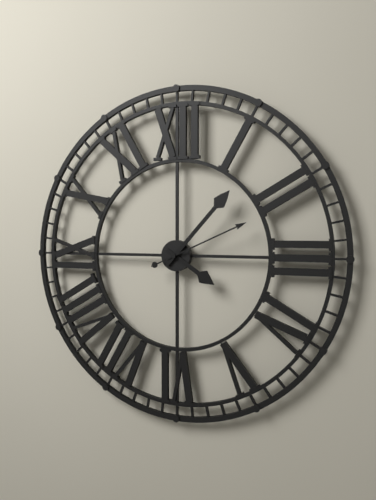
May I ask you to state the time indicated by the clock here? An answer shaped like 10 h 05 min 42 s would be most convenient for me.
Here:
4 h 07 min 11 s
